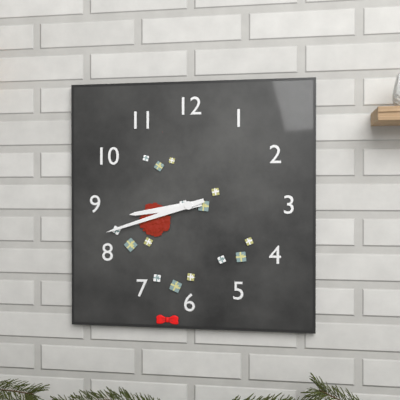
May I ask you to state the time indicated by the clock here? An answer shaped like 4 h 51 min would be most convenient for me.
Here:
8 h 42 min
